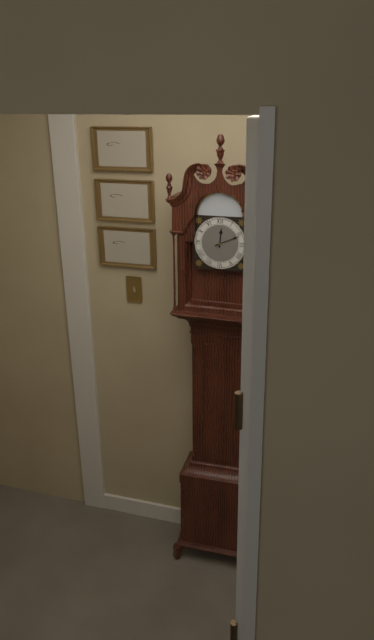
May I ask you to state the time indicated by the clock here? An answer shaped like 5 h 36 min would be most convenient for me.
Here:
12 h 11 min
